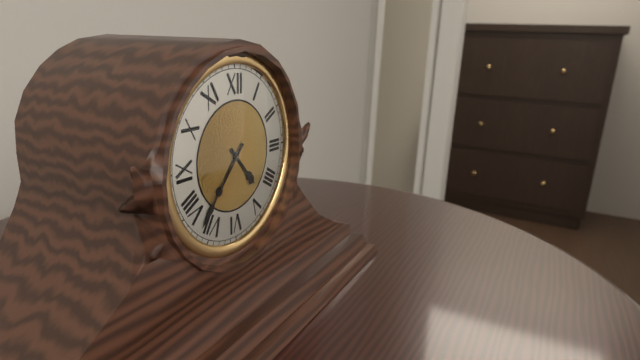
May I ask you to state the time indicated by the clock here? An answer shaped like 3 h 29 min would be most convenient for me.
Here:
4 h 37 min
